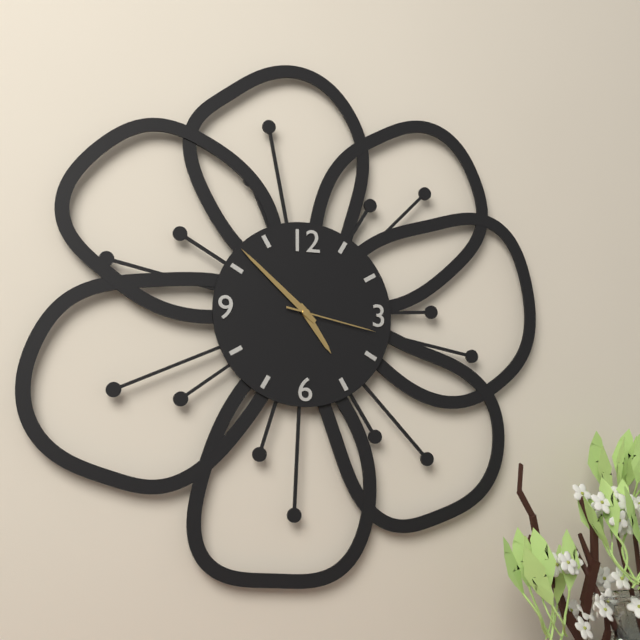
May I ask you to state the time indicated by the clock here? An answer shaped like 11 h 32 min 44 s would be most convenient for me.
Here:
4 h 52 min 17 s
